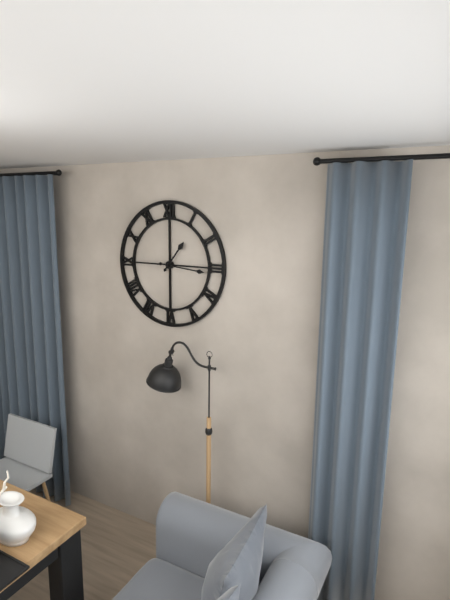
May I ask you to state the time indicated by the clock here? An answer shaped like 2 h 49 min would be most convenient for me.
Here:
1 h 16 min
